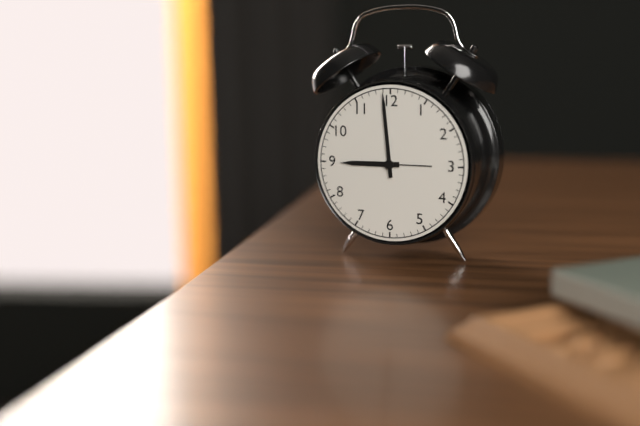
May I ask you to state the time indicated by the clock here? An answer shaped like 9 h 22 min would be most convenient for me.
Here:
8 h 59 min
